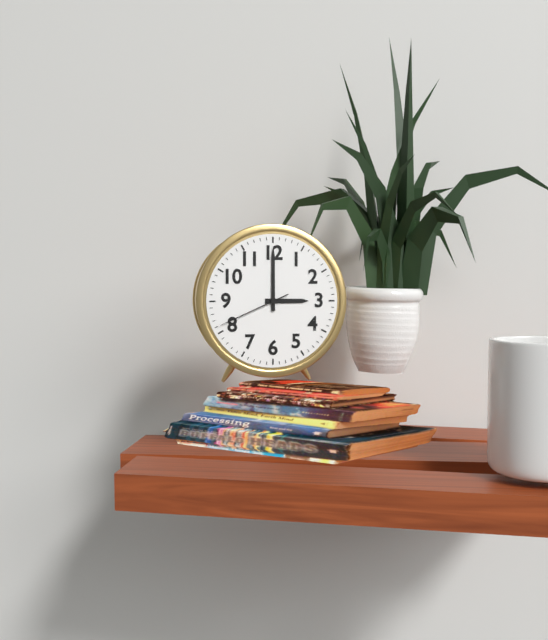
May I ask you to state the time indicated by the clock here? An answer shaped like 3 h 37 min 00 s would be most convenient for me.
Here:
3 h 00 min 41 s
